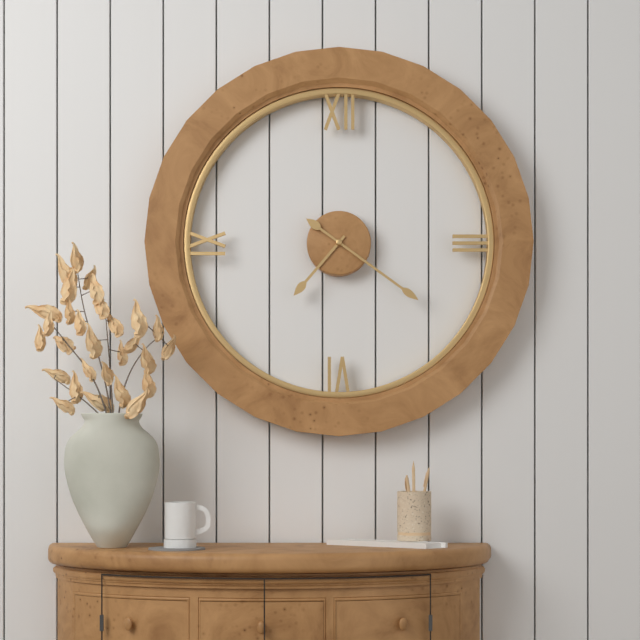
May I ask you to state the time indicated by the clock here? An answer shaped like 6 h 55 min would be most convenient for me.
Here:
7 h 21 min
